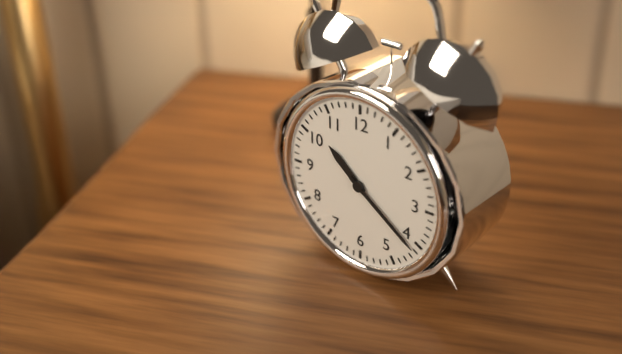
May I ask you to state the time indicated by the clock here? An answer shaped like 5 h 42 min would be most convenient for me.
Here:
10 h 21 min
